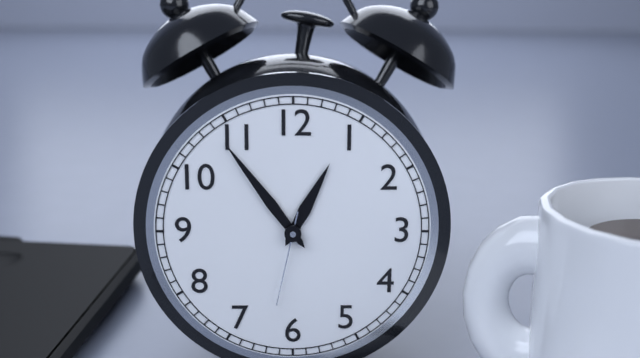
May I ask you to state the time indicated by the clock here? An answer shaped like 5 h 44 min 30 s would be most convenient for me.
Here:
12 h 54 min 32 s
